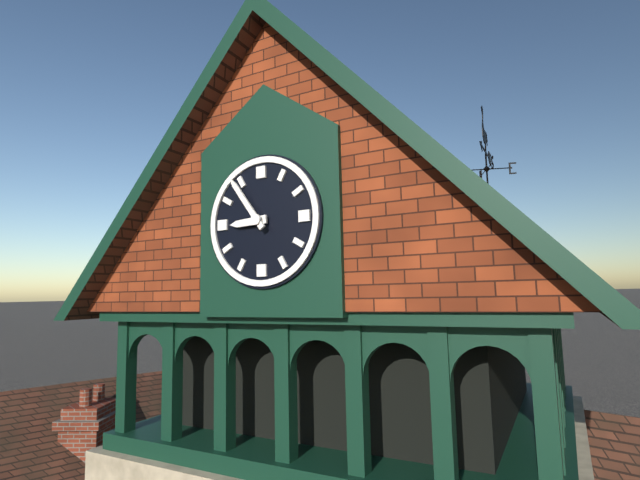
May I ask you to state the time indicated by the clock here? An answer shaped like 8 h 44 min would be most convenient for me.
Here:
8 h 54 min
